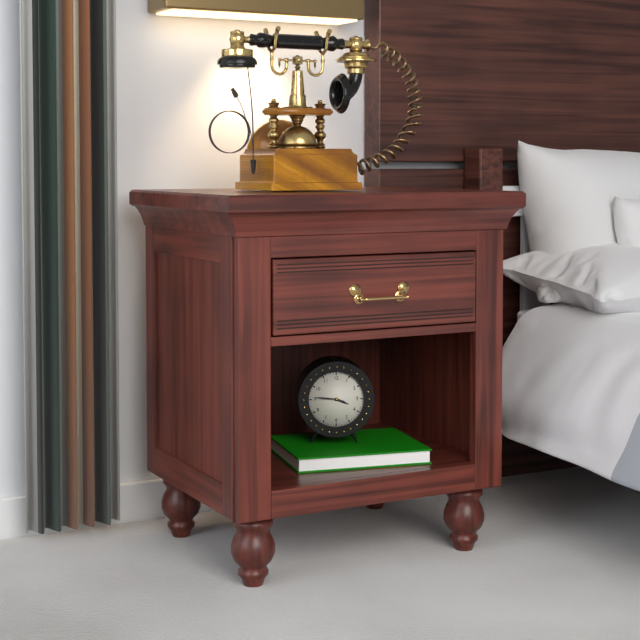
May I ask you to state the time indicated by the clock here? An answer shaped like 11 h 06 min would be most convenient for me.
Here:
3 h 46 min
